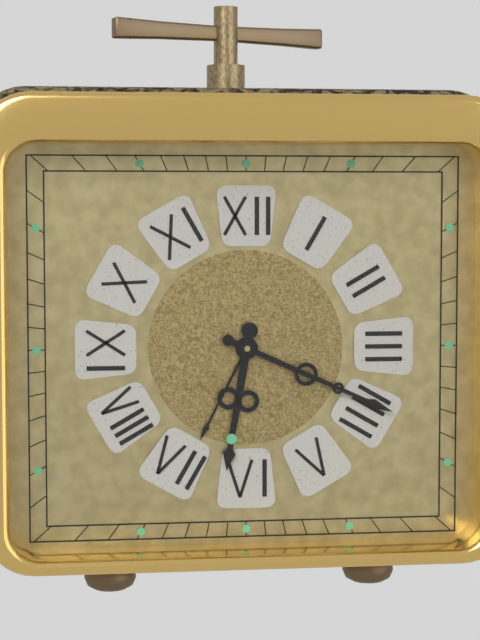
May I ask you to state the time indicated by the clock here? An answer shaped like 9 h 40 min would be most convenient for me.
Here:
6 h 19 min
